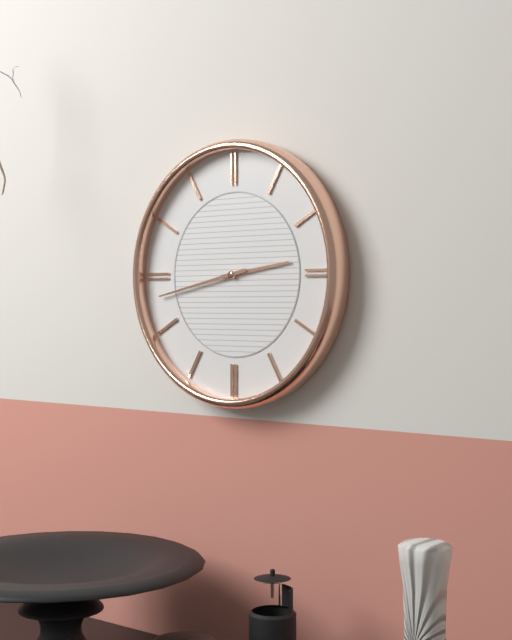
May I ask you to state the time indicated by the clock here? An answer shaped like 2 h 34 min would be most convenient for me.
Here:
2 h 43 min
